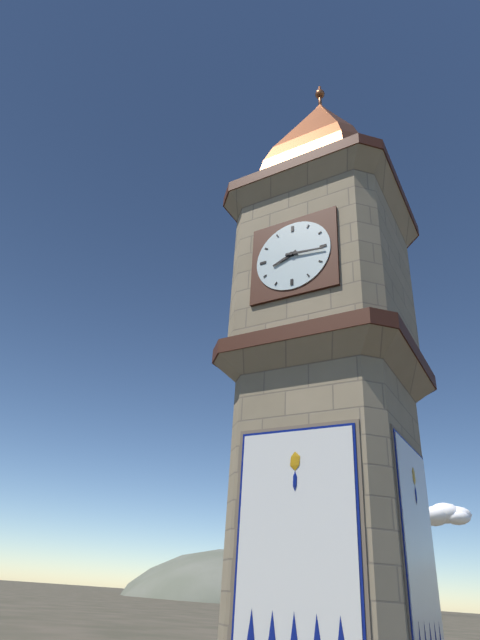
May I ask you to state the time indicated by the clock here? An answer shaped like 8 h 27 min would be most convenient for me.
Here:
8 h 16 min
